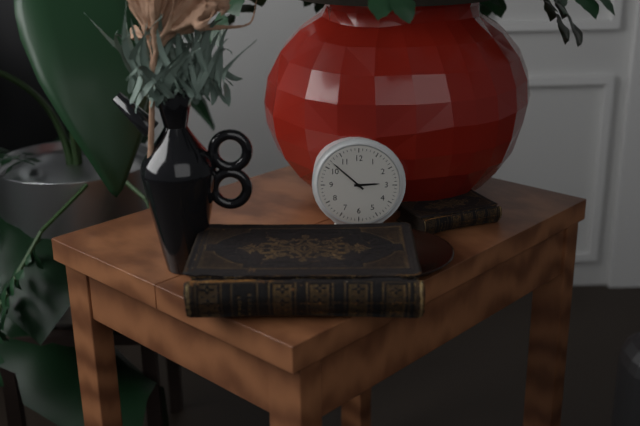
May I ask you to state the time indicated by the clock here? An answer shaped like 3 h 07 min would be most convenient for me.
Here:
2 h 52 min
